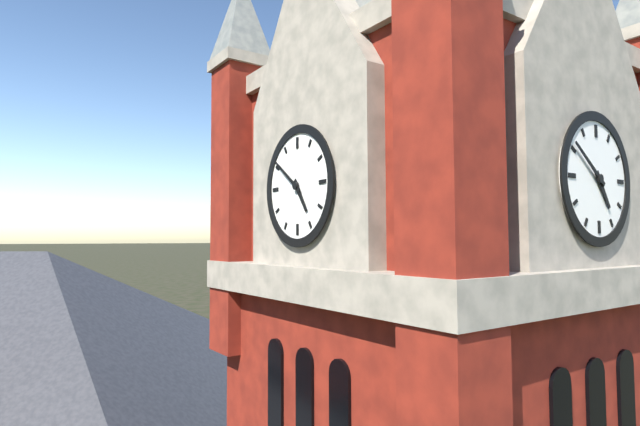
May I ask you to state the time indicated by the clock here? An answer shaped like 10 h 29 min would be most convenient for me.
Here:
4 h 51 min
